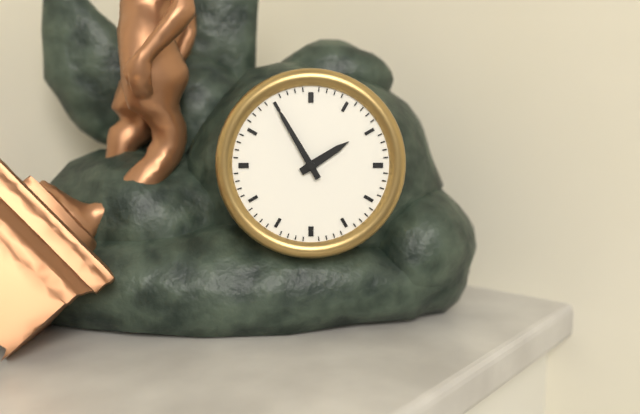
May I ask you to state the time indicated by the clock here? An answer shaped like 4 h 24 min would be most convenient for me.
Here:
1 h 55 min
